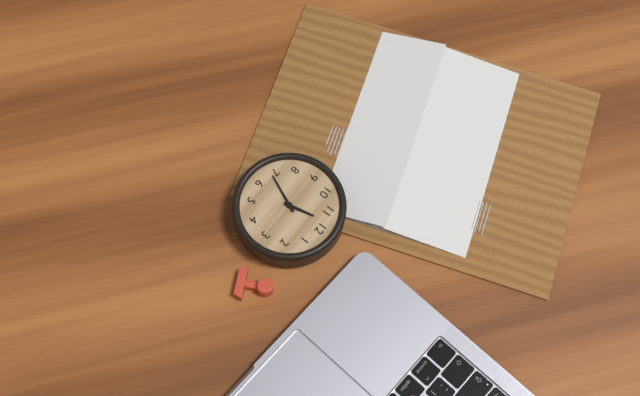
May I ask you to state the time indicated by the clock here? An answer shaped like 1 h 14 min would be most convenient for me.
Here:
11 h 34 min
